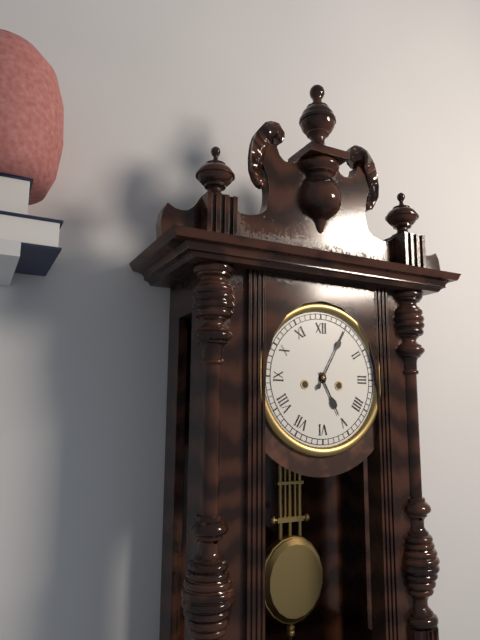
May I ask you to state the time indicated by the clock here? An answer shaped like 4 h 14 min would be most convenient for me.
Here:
5 h 05 min
